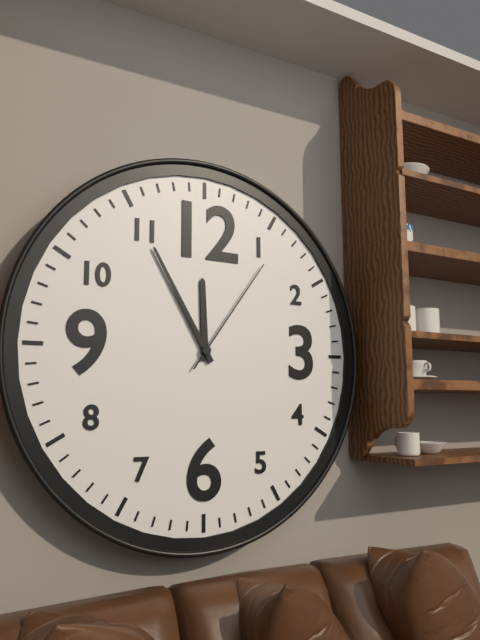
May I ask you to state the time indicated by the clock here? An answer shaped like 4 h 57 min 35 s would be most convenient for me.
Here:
11 h 55 min 06 s
